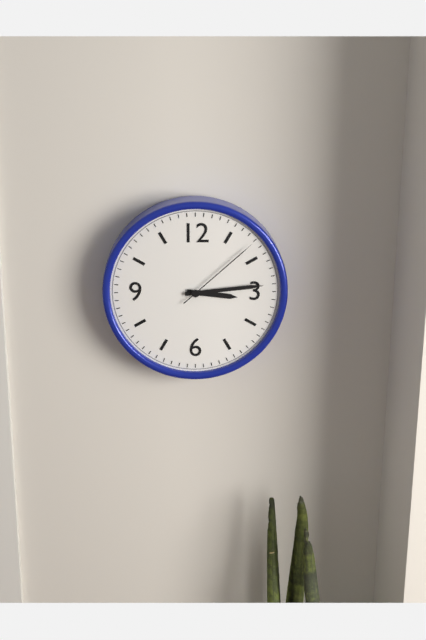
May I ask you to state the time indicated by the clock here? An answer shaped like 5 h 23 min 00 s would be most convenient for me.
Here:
3 h 14 min 08 s
